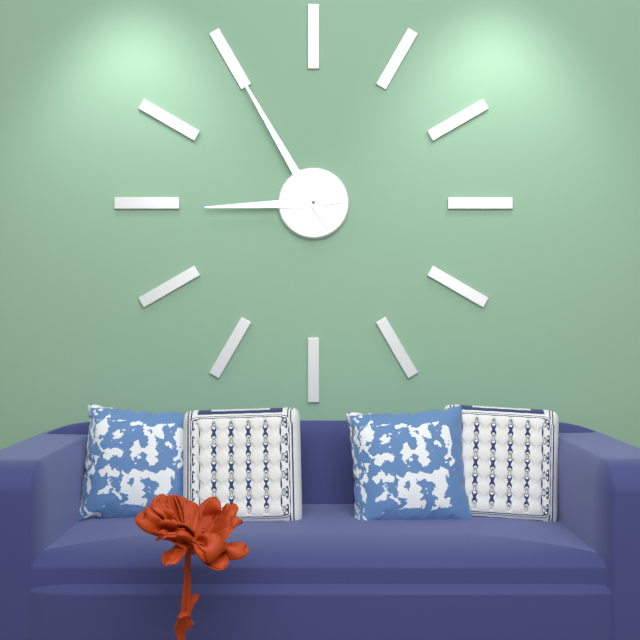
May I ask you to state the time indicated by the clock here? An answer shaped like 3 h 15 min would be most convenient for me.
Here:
8 h 55 min
